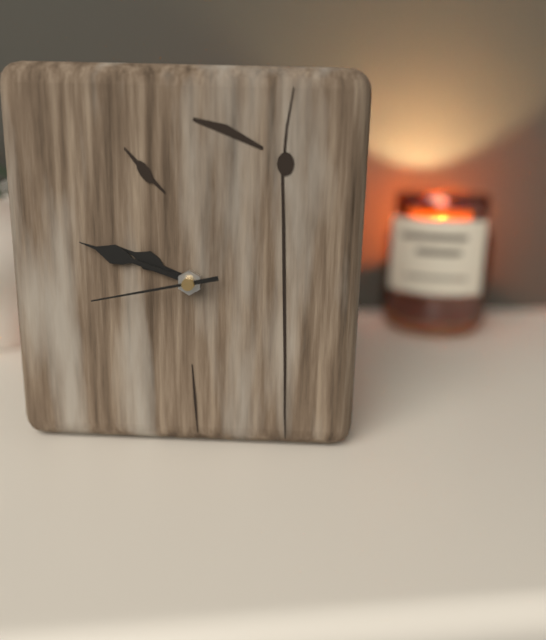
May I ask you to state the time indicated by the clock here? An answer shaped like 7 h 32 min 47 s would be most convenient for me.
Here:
9 h 48 min 43 s
